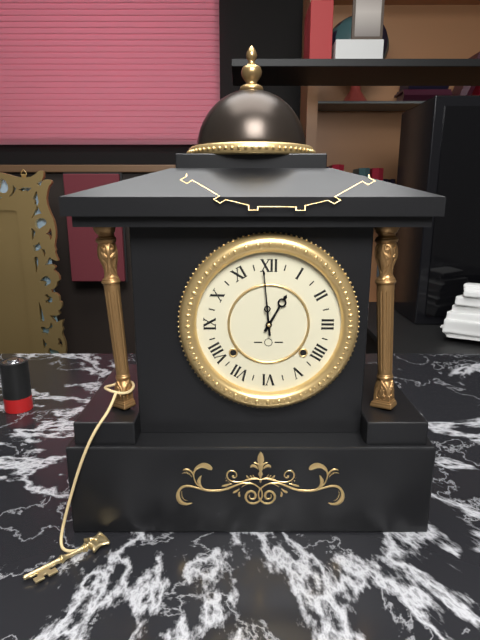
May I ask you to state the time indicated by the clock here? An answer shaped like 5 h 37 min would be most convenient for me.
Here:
12 h 59 min
